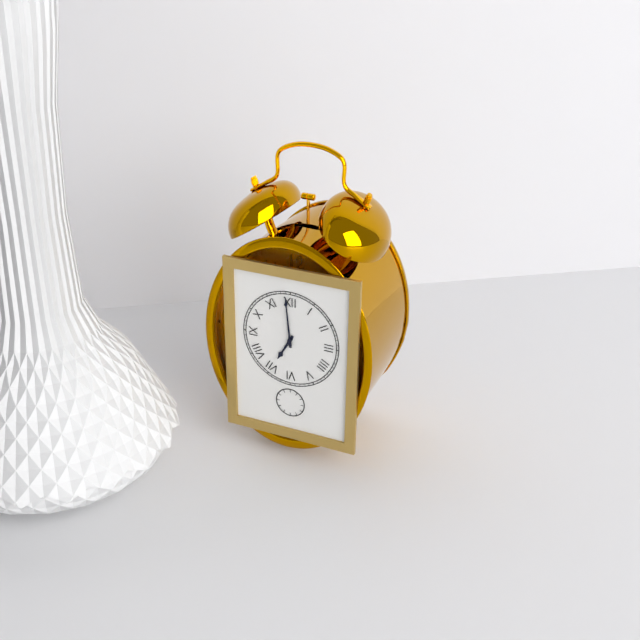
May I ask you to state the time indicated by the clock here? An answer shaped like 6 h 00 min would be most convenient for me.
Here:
6 h 59 min
